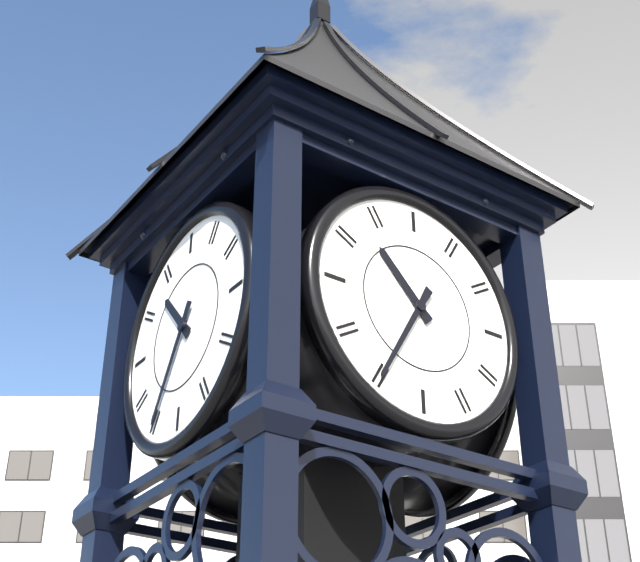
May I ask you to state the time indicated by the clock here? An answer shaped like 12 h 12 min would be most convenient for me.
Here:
10 h 35 min
